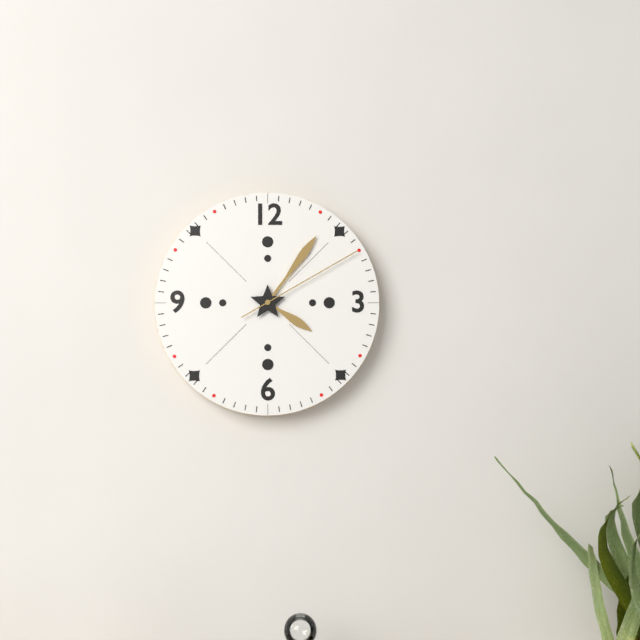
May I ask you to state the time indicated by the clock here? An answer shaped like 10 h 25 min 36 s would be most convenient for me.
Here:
4 h 06 min 10 s
